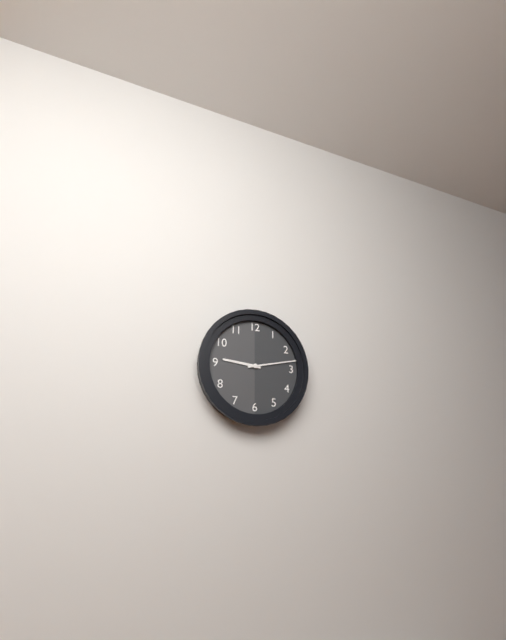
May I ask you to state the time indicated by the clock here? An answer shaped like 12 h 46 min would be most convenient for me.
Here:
9 h 13 min
